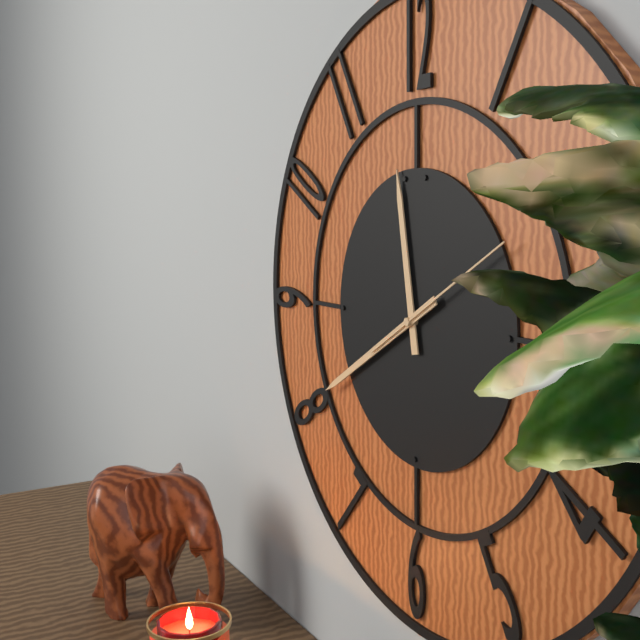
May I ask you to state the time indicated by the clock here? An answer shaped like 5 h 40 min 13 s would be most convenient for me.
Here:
11 h 40 min 10 s
